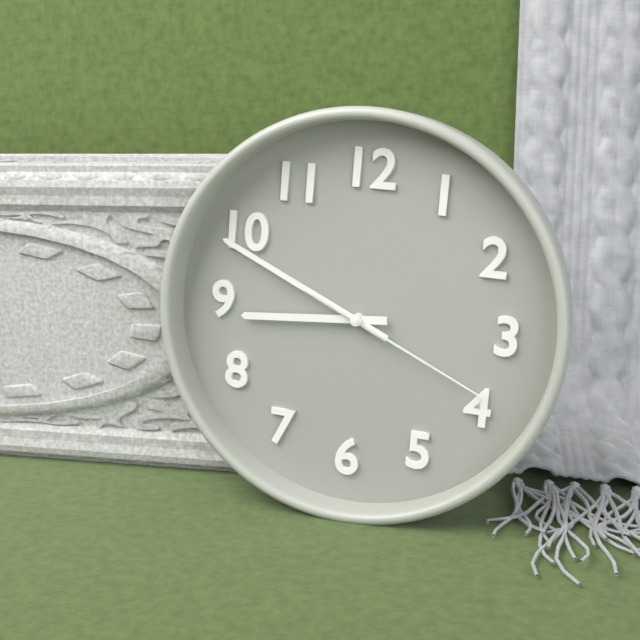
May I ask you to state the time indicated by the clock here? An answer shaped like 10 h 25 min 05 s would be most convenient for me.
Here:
8 h 49 min 19 s
